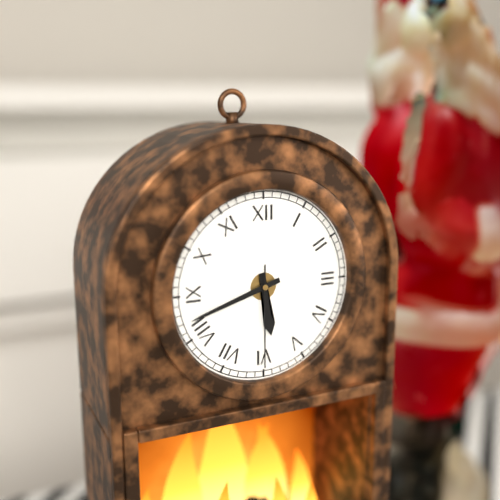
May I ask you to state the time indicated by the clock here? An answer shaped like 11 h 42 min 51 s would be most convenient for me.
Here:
5 h 42 min 30 s
